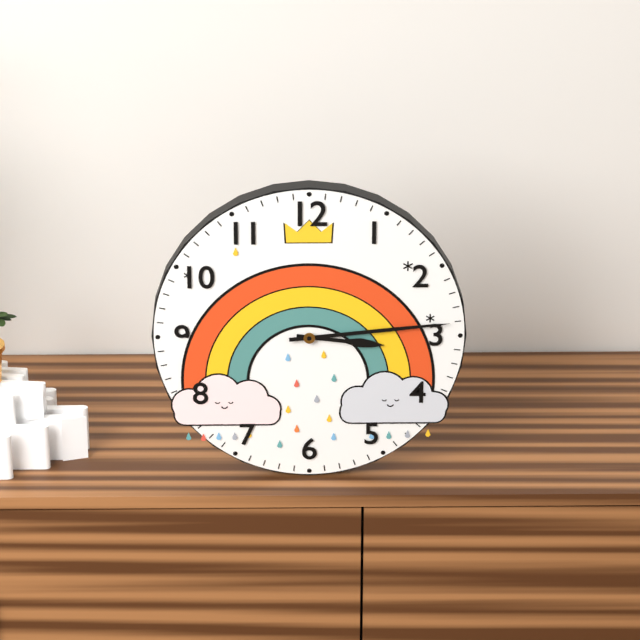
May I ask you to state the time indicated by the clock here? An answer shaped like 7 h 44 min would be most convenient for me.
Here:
3 h 14 min
